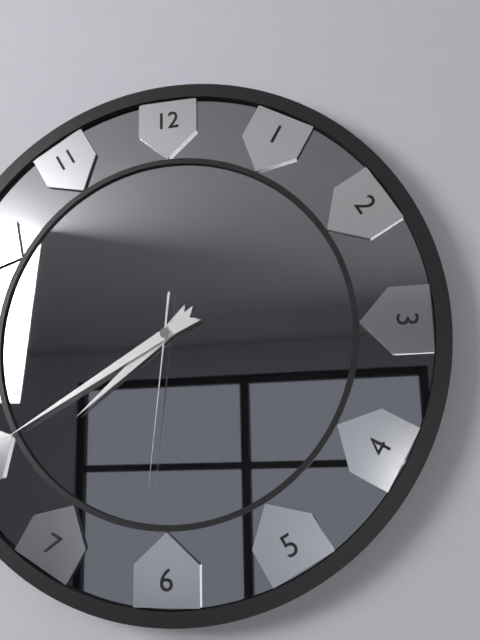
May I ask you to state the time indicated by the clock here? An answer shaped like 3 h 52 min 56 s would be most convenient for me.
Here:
7 h 40 min 31 s
